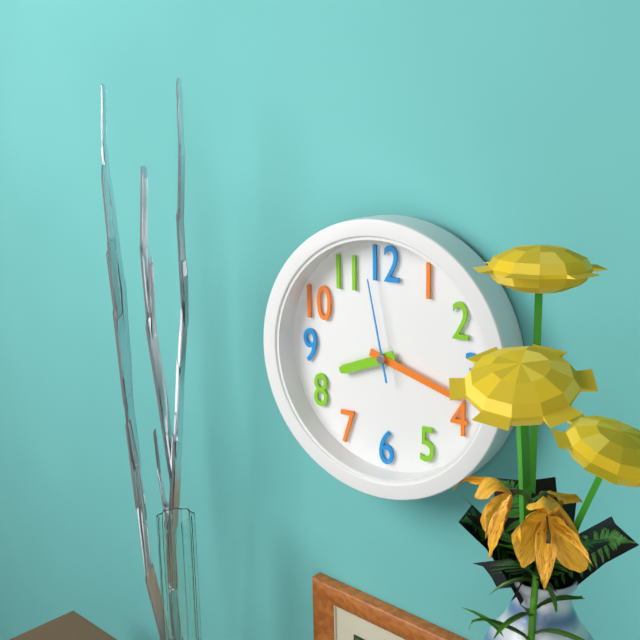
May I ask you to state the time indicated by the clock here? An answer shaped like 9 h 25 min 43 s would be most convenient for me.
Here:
8 h 18 min 58 s
